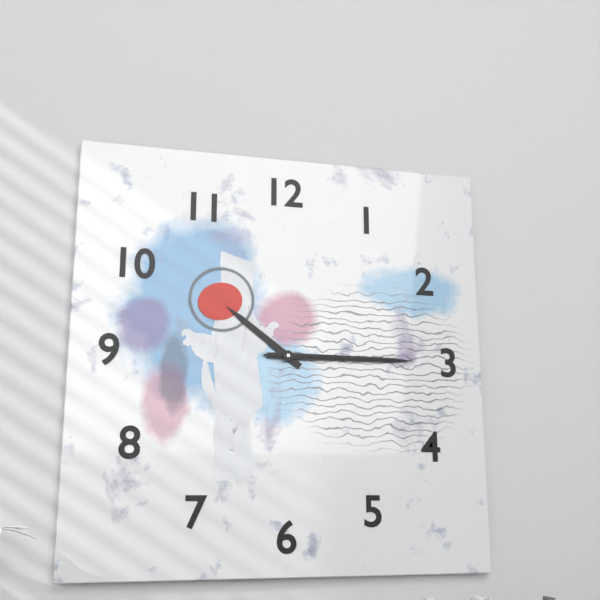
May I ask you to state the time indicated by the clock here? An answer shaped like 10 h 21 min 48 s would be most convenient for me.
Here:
10 h 15 min 15 s
